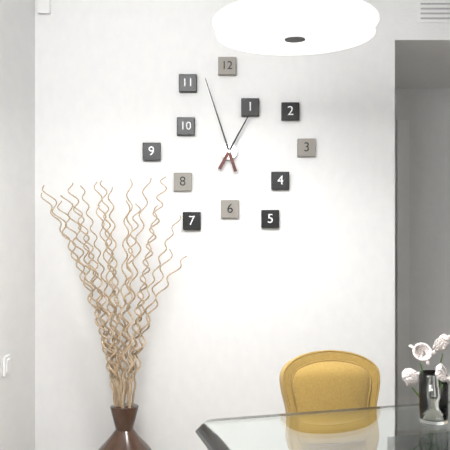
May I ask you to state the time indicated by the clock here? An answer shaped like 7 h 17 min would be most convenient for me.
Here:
12 h 57 min
